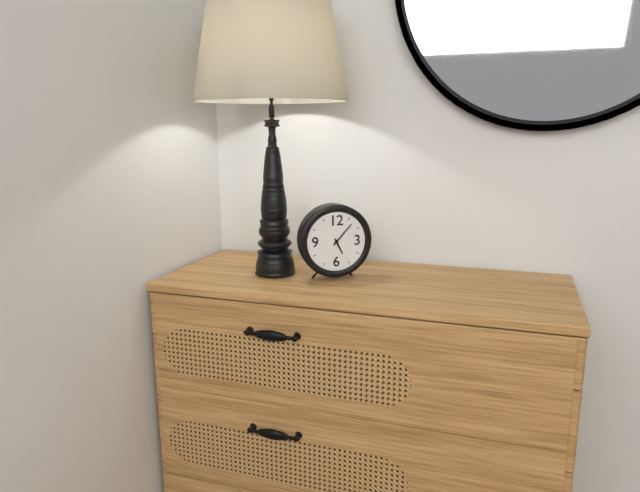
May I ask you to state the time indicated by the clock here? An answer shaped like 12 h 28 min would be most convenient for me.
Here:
5 h 07 min
